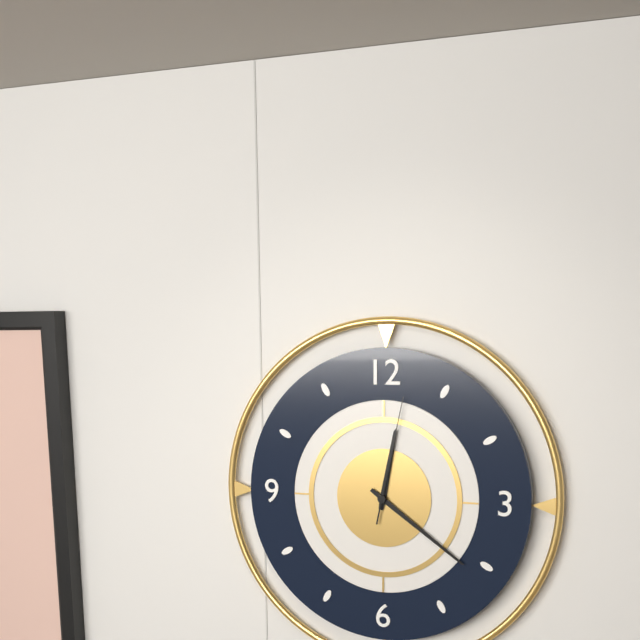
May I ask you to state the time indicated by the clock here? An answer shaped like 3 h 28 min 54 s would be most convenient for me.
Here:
12 h 21 min 02 s
